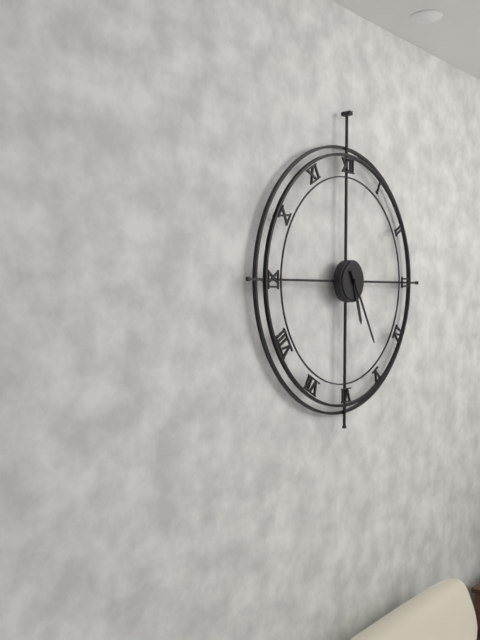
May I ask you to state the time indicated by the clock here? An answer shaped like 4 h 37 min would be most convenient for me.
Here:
5 h 25 min
